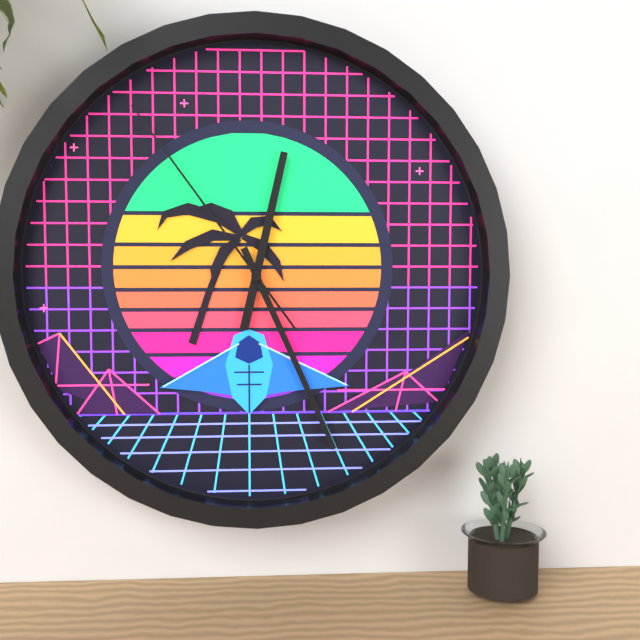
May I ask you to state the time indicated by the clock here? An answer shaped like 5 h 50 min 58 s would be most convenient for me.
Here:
12 h 26 min 54 s
